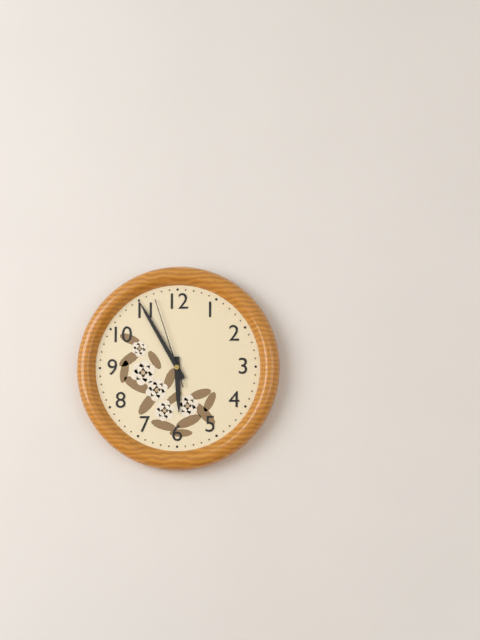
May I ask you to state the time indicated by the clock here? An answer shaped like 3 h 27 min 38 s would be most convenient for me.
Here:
5 h 55 min 57 s
